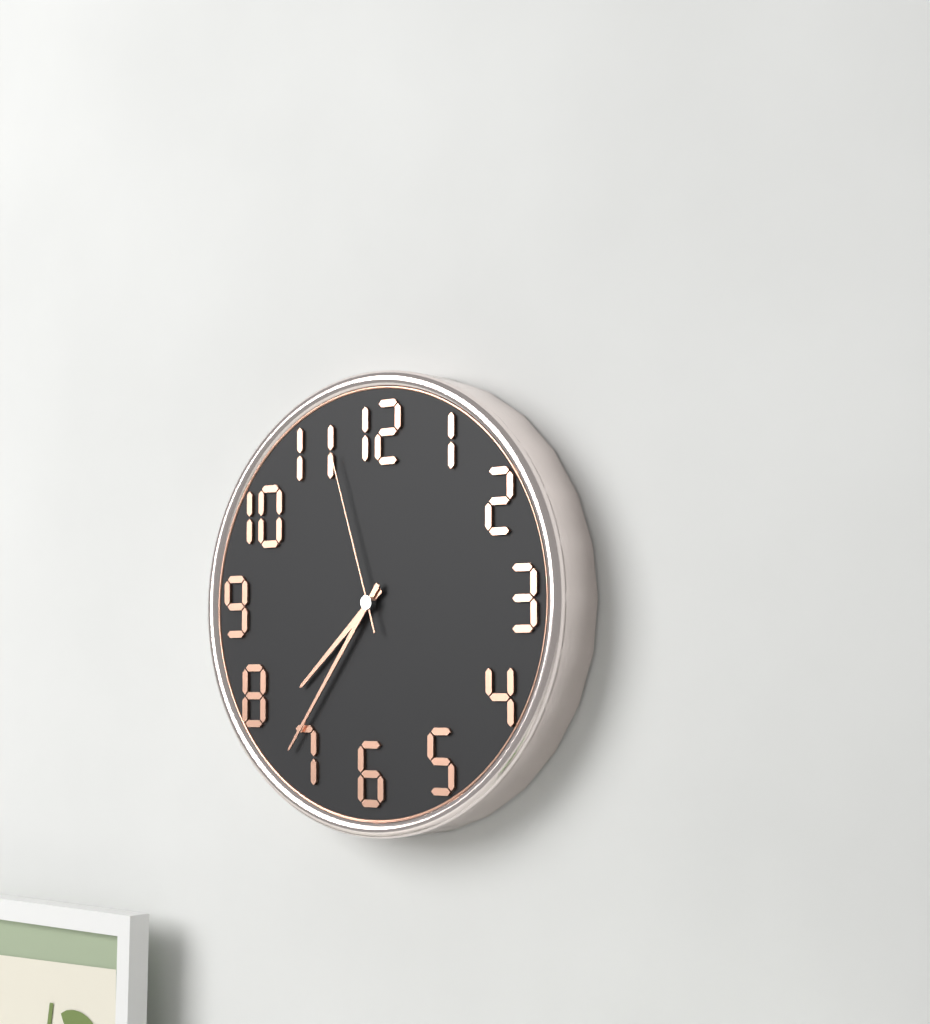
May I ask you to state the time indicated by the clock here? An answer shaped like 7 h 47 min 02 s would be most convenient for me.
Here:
7 h 36 min 57 s
